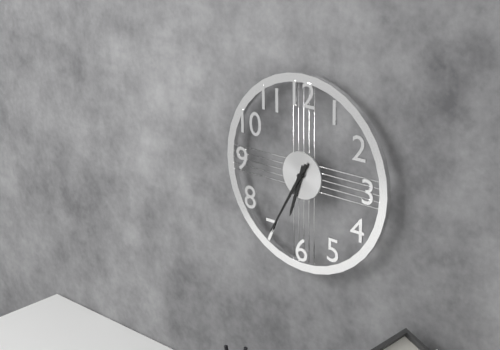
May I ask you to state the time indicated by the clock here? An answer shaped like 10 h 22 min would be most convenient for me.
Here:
6 h 35 min
